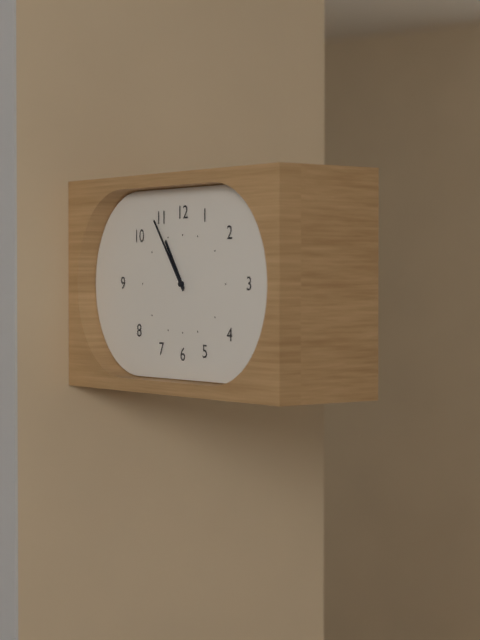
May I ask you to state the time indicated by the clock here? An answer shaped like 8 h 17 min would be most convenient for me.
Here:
10 h 54 min
